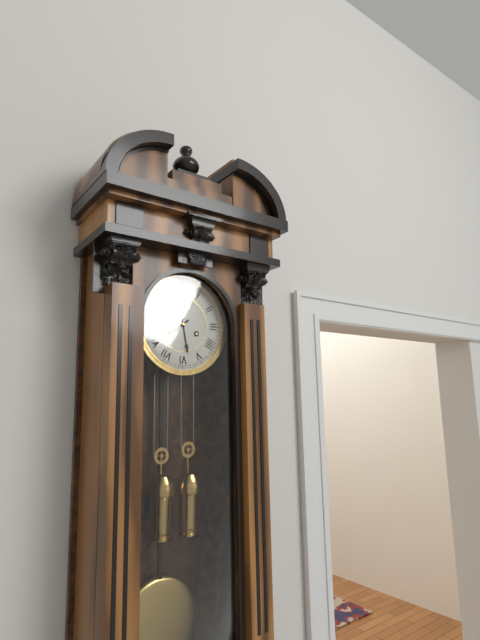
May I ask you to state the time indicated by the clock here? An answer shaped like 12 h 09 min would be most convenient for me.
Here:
5 h 39 min
